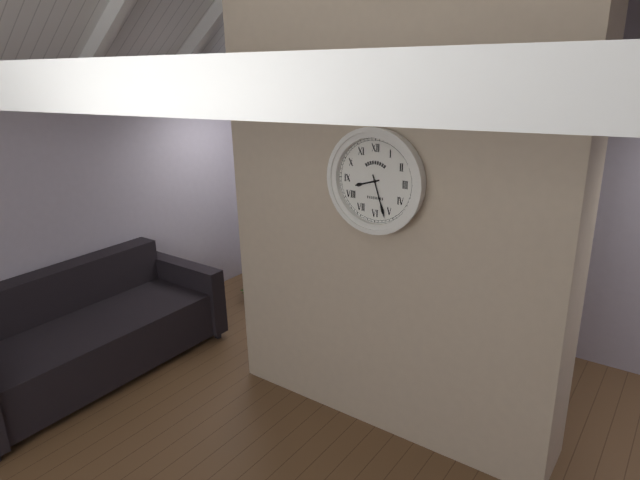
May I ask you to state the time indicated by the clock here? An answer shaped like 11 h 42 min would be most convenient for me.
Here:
8 h 27 min
